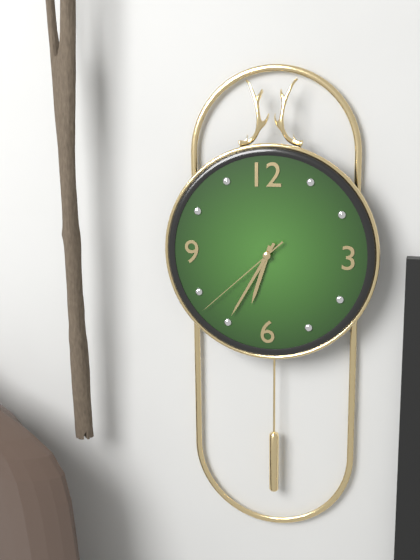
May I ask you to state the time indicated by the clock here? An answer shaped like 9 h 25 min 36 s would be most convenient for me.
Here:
6 h 35 min 38 s
